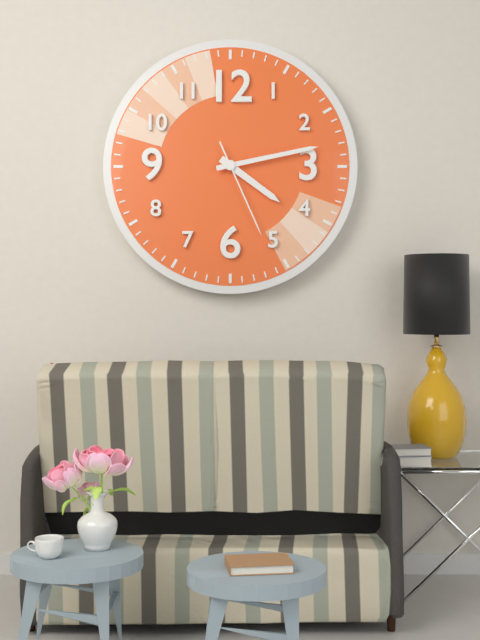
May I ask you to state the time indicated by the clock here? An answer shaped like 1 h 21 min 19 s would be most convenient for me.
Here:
4 h 13 min 26 s
